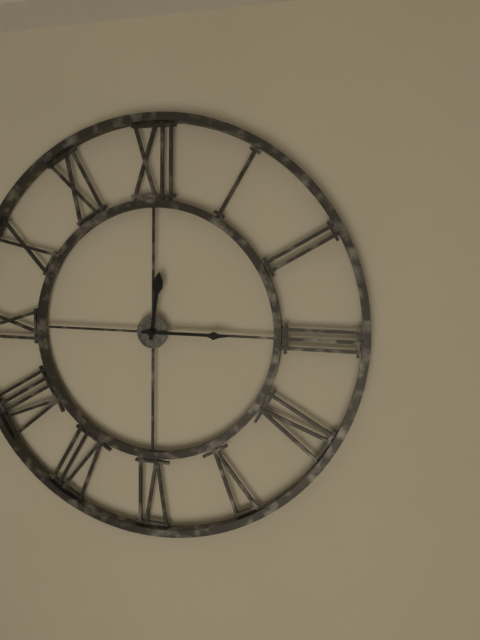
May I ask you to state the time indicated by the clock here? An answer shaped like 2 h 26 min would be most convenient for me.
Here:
12 h 15 min
